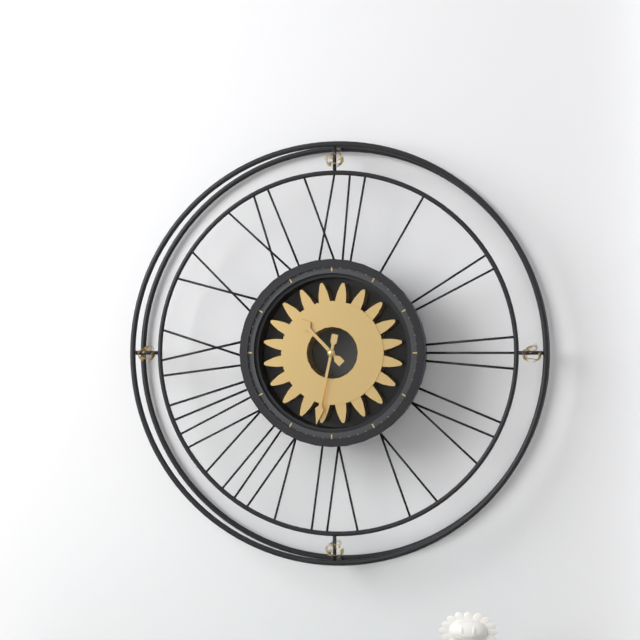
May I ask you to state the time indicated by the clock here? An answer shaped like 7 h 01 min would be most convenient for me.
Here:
10 h 32 min
